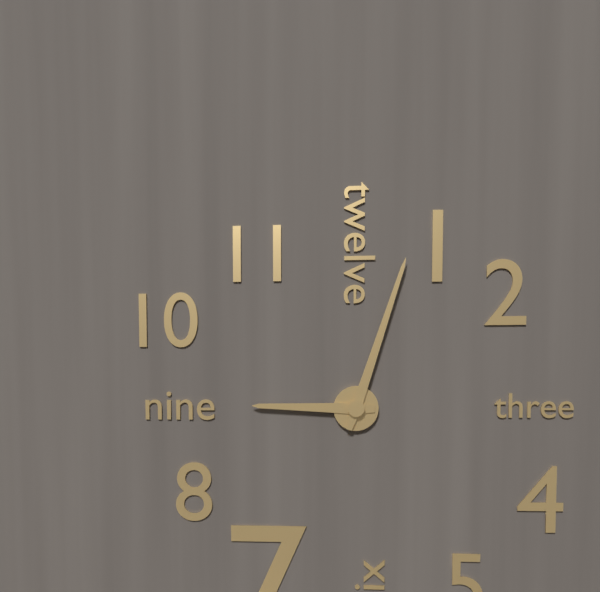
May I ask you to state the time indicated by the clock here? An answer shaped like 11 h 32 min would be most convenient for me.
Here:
9 h 03 min
